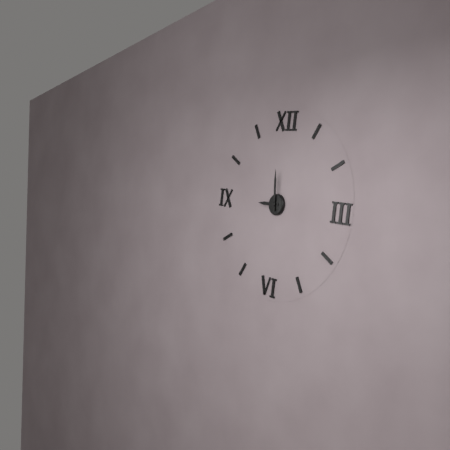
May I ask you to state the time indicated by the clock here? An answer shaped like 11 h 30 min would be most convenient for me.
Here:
8 h 59 min
